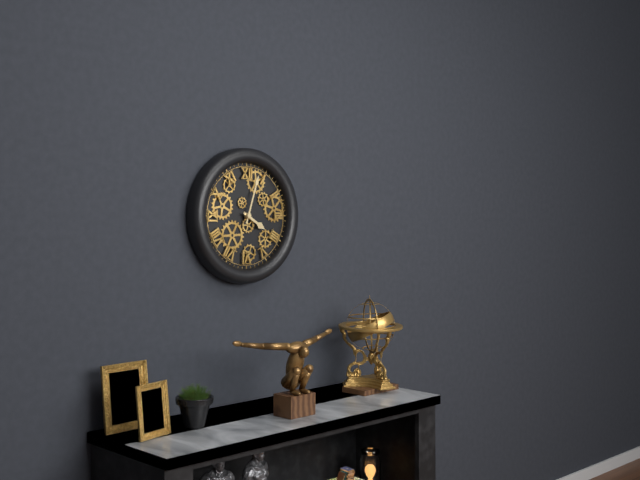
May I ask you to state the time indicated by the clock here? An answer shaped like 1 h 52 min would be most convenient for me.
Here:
4 h 03 min
